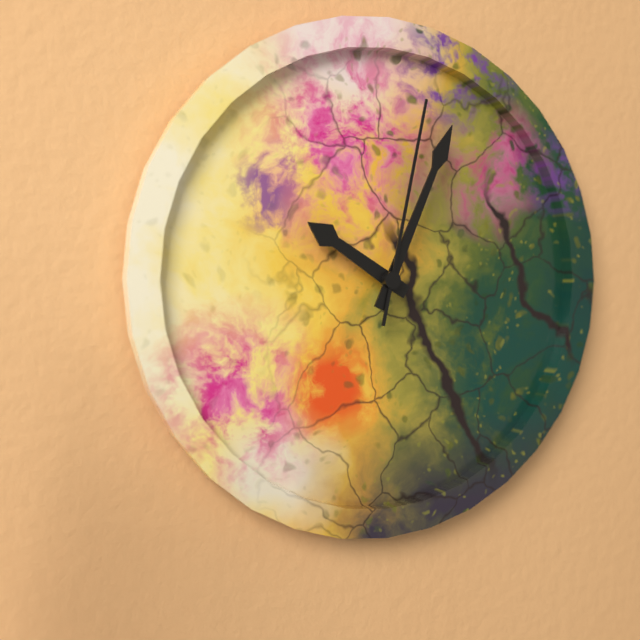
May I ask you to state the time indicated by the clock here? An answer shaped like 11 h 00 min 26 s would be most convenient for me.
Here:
10 h 04 min 02 s
